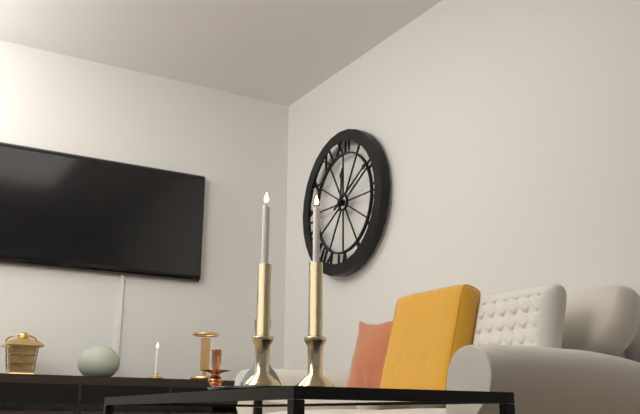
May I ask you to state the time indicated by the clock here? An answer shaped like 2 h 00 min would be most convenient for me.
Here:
12 h 10 min
